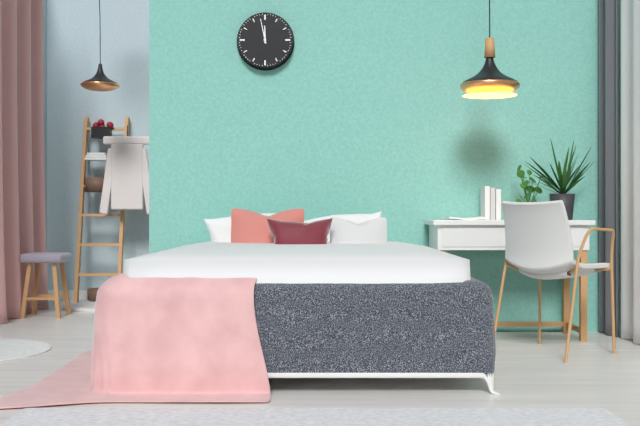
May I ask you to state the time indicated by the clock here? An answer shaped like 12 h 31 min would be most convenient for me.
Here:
11 h 58 min
